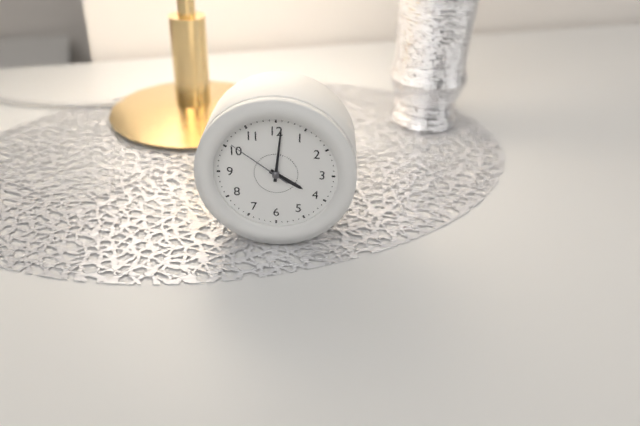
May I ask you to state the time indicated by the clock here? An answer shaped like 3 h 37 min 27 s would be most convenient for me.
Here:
4 h 01 min 51 s
